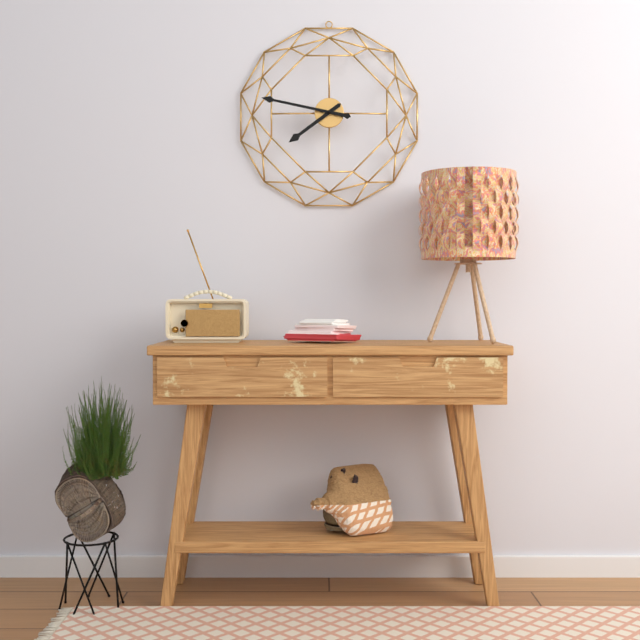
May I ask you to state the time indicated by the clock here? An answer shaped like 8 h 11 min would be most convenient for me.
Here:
7 h 47 min
